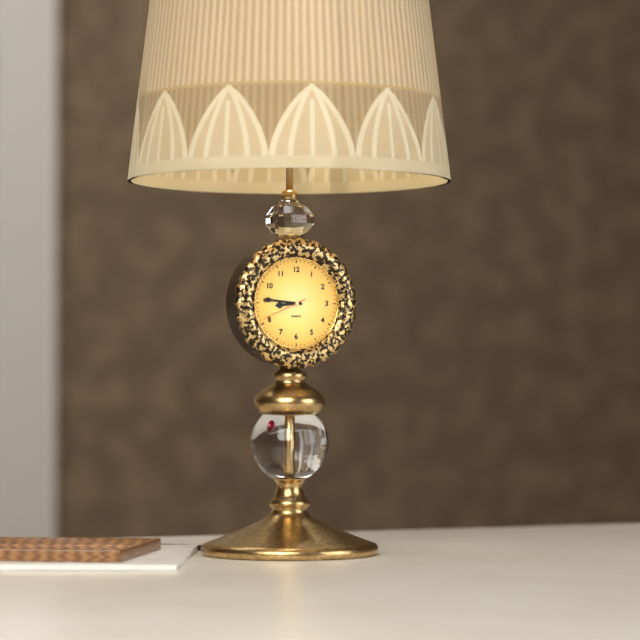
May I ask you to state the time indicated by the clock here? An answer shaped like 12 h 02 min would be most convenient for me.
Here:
8 h 46 min
